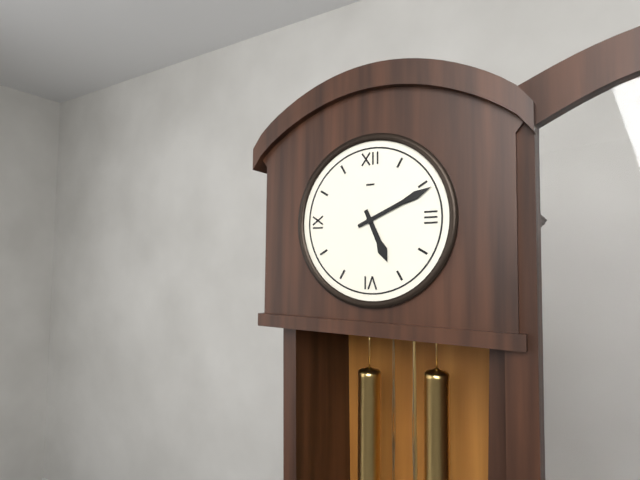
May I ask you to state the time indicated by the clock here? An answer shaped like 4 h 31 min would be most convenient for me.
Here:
5 h 11 min
